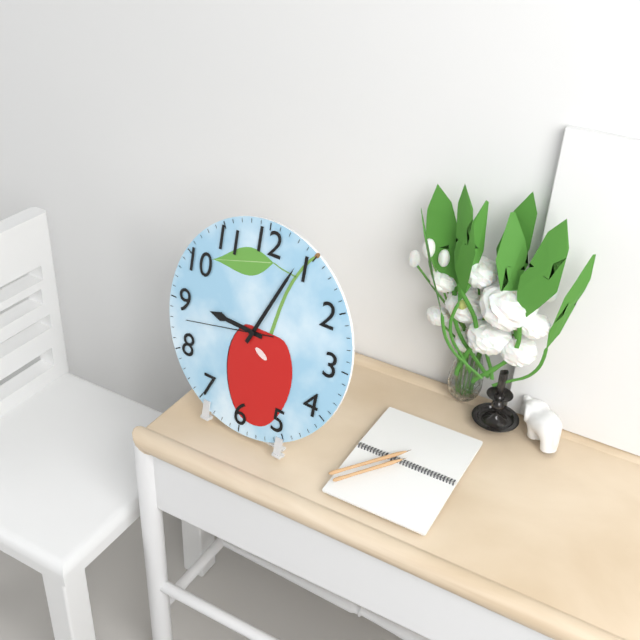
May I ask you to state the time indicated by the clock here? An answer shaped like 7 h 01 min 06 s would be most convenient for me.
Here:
9 h 04 min 43 s
